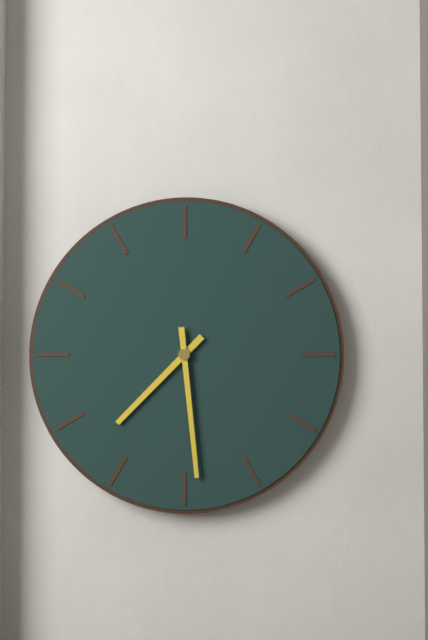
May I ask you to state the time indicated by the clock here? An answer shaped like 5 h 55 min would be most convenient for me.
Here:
7 h 29 min
